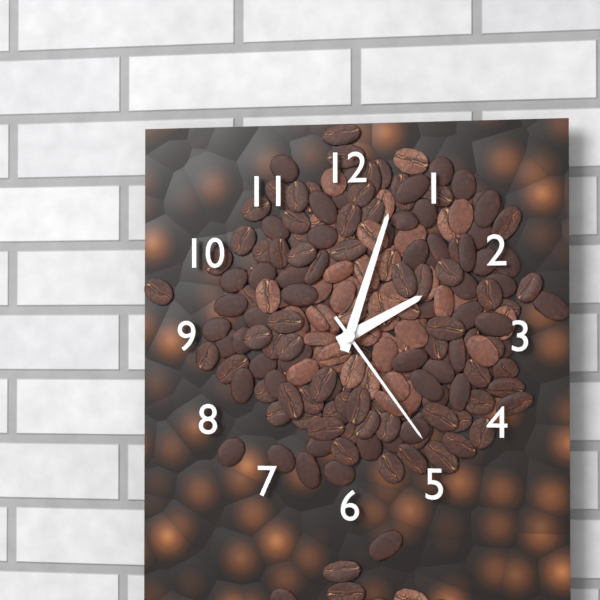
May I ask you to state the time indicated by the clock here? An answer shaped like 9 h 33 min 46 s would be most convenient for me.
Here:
2 h 03 min 24 s
